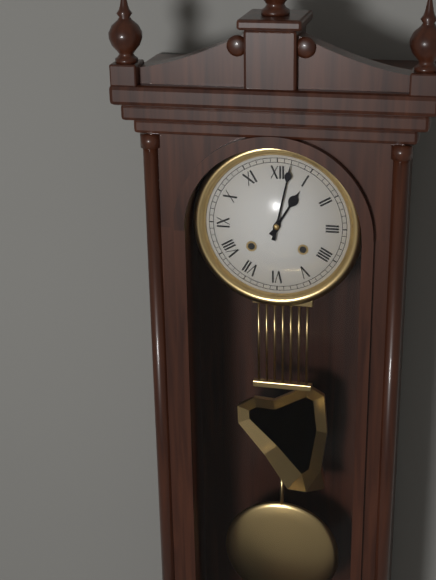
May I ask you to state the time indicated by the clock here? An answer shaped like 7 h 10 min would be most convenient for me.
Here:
1 h 02 min
